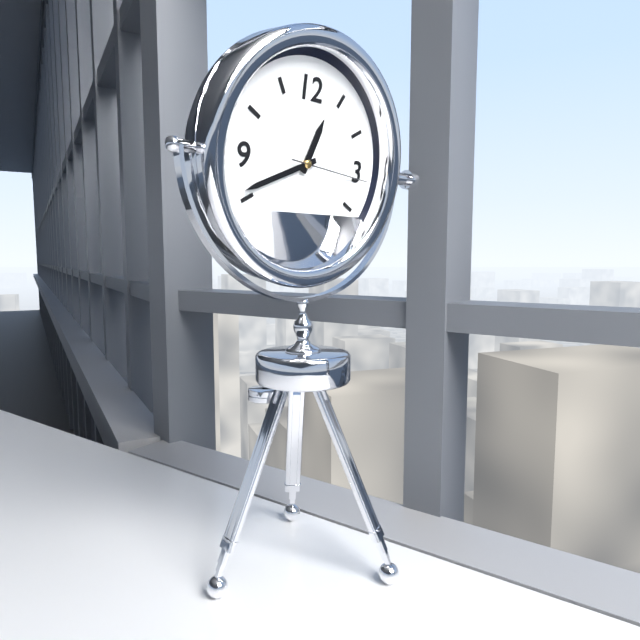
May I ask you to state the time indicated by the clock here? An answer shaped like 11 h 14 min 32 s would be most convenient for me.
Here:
12 h 41 min 16 s
